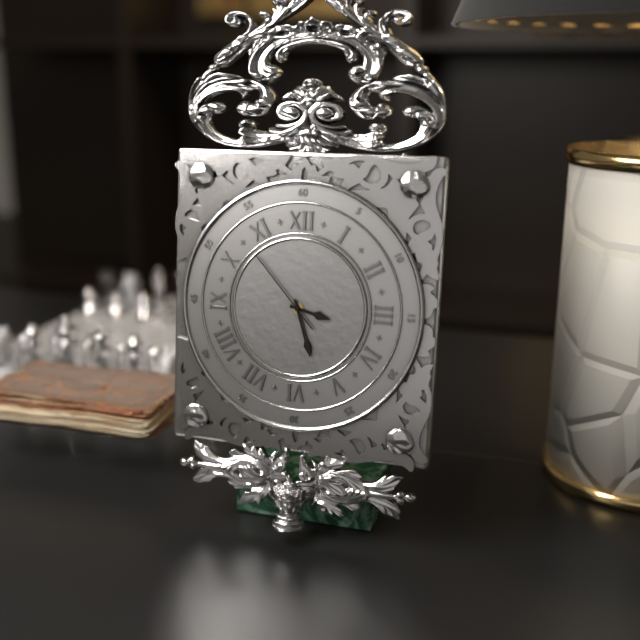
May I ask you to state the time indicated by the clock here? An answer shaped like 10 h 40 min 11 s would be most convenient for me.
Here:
3 h 27 min 53 s
